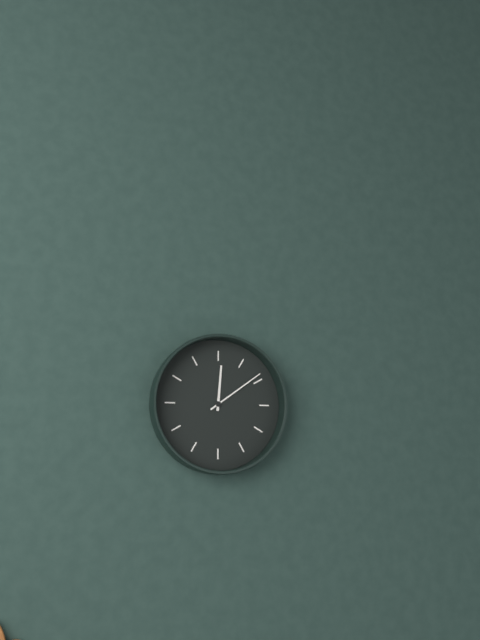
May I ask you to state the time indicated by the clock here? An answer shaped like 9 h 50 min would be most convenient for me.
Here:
12 h 09 min
